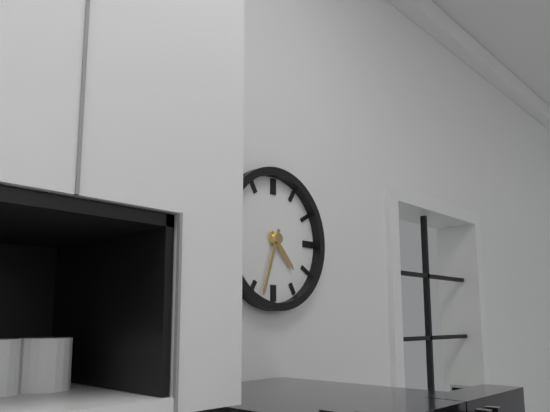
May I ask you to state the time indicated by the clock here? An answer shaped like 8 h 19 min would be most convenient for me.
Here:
4 h 33 min
